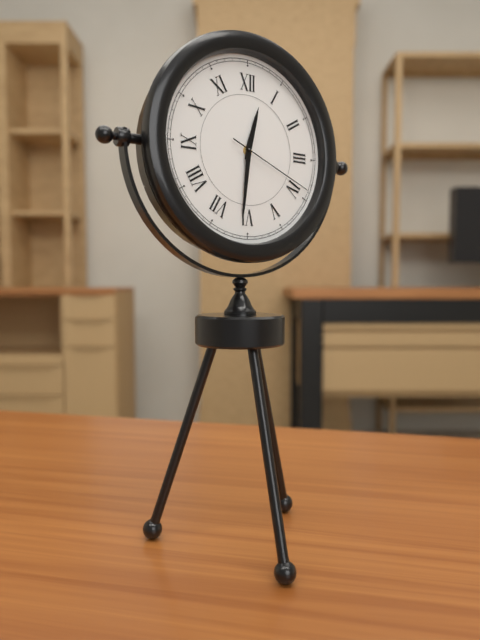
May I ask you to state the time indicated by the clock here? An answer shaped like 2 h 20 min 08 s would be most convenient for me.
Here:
12 h 31 min 19 s
